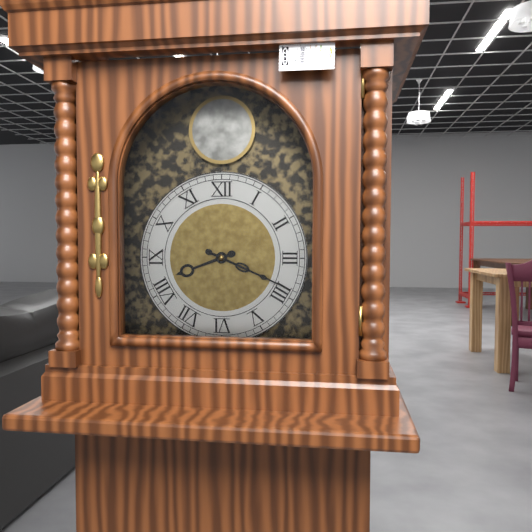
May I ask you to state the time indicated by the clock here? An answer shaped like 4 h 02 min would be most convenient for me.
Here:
8 h 19 min
